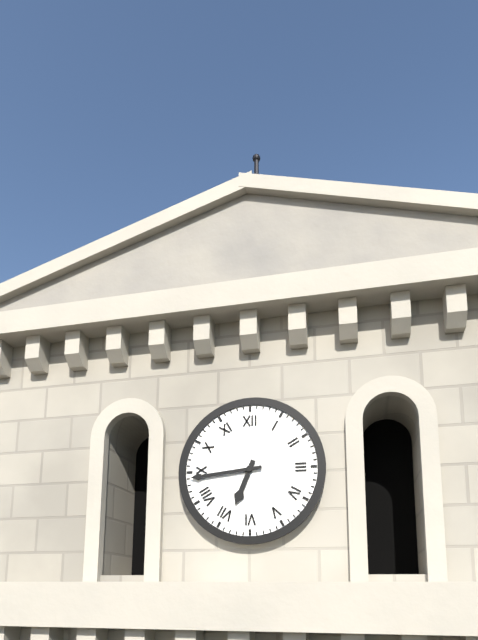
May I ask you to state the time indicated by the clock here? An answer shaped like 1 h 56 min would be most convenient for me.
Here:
6 h 44 min
